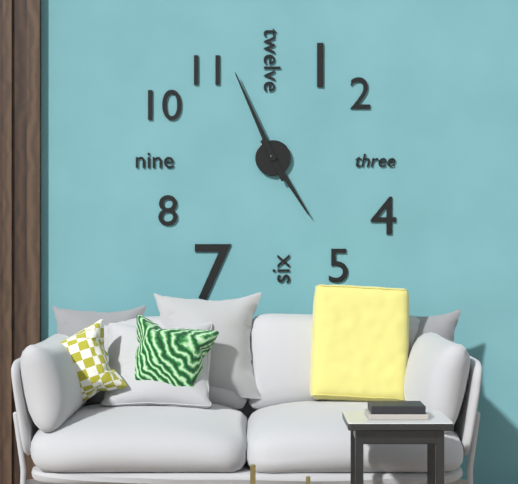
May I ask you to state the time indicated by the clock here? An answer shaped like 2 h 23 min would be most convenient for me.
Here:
4 h 56 min
